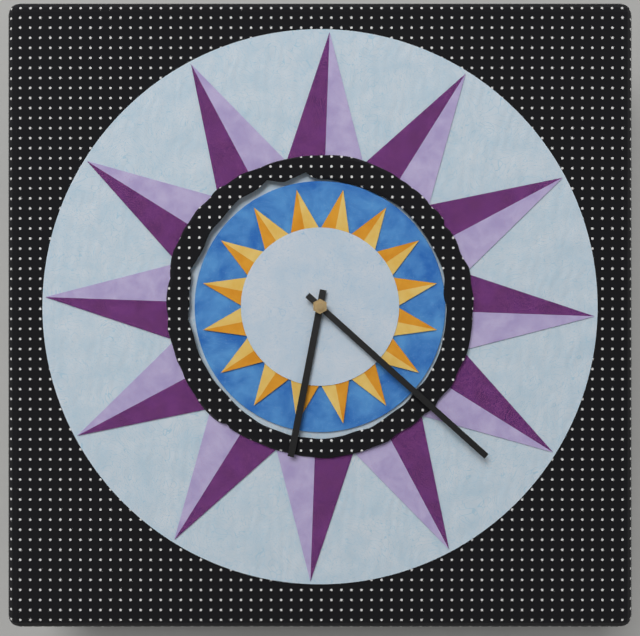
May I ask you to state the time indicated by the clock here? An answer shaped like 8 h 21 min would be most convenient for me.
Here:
6 h 22 min
